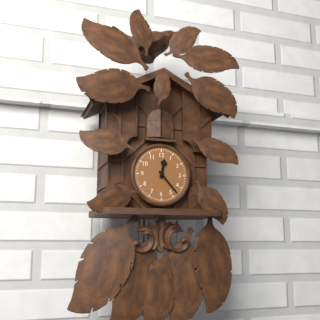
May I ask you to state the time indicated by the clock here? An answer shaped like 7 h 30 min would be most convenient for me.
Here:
12 h 23 min
